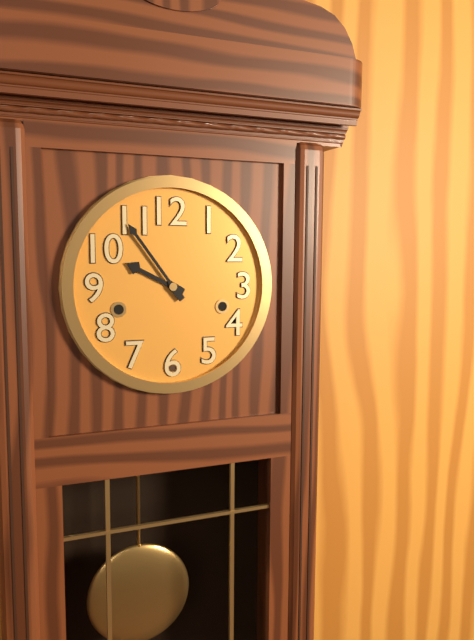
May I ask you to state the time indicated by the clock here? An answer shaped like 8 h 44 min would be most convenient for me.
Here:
9 h 54 min
